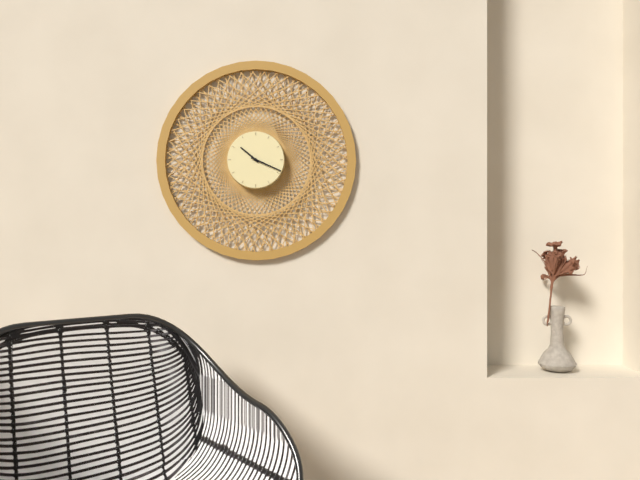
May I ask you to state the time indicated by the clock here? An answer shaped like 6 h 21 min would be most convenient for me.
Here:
10 h 19 min
